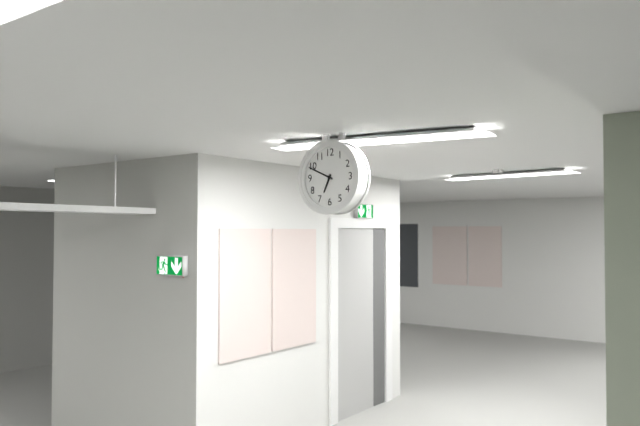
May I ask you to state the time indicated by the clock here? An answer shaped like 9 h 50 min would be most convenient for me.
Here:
6 h 49 min
